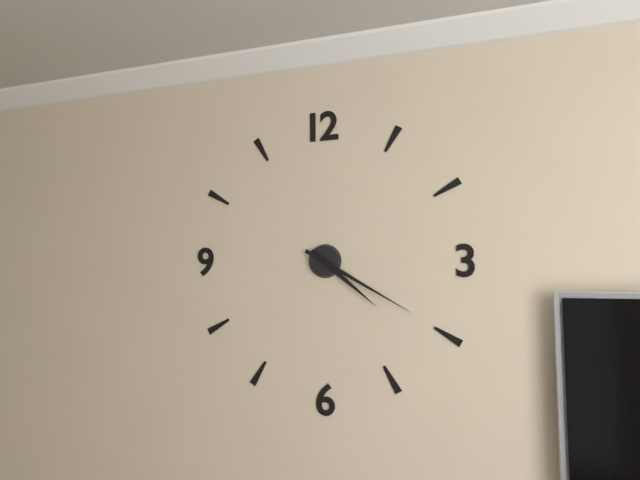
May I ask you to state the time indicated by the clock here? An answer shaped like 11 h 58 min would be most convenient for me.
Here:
4 h 20 min
